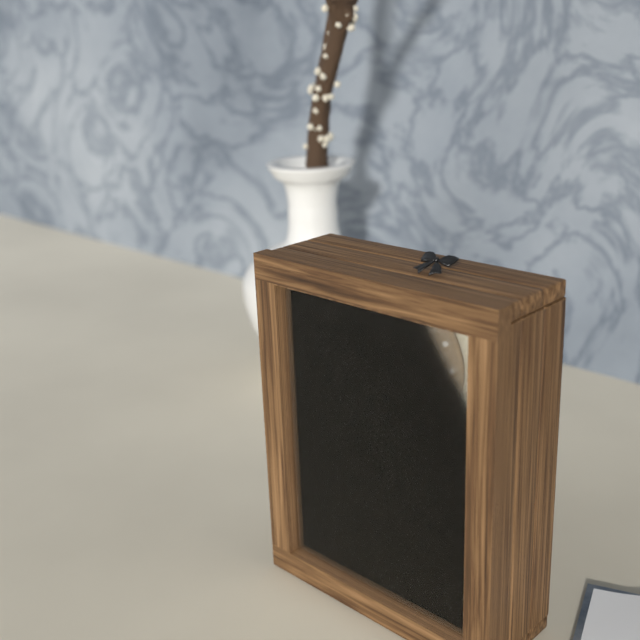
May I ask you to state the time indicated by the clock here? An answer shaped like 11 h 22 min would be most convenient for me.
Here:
7 h 21 min
